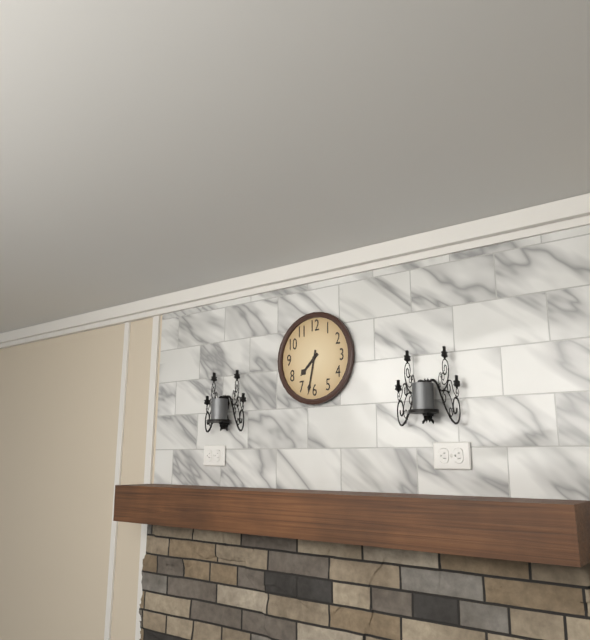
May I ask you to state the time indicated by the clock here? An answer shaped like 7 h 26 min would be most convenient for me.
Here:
7 h 32 min
